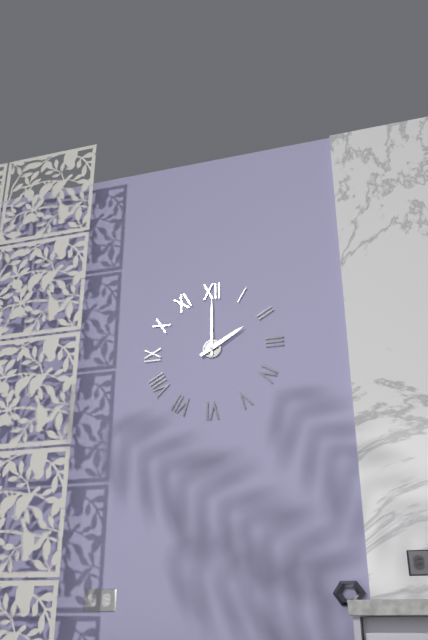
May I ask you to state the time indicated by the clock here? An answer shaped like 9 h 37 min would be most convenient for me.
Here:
2 h 00 min
